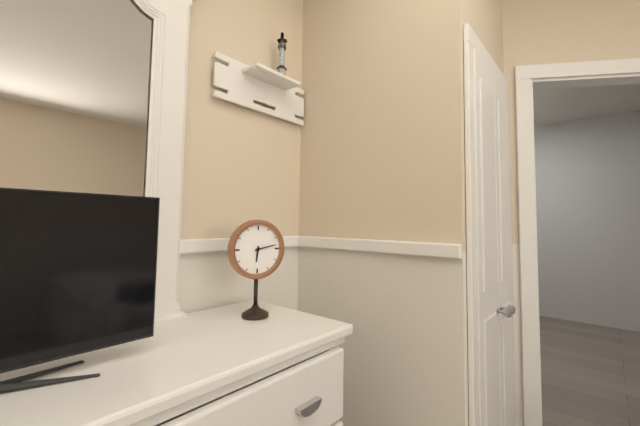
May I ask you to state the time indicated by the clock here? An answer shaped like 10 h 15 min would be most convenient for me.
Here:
6 h 13 min
